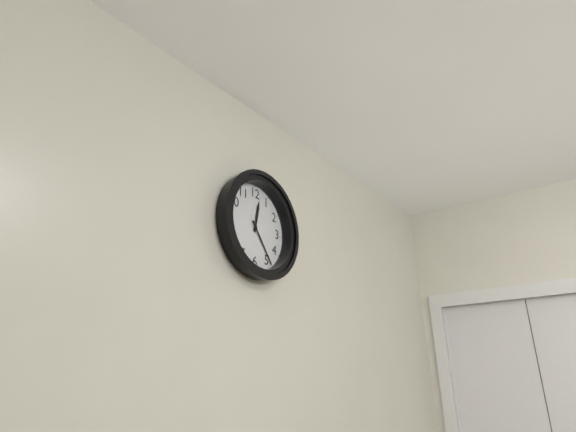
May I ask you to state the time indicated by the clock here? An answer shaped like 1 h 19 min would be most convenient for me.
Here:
12 h 24 min
